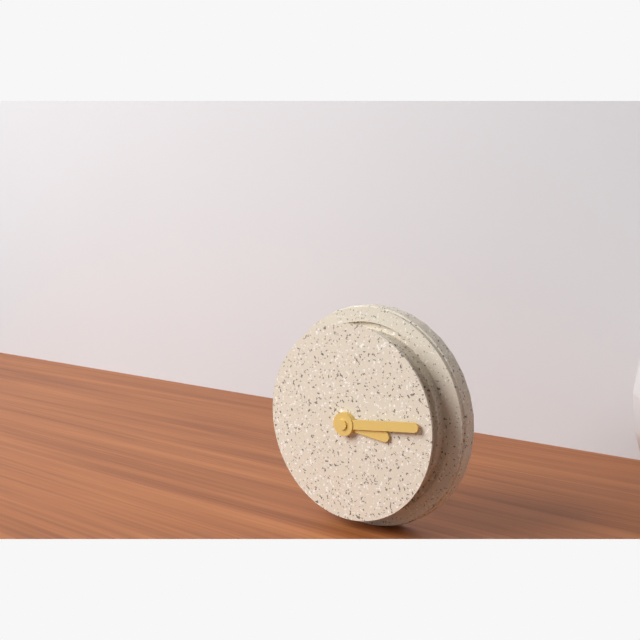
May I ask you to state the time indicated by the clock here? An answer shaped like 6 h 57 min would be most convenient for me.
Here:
3 h 14 min
